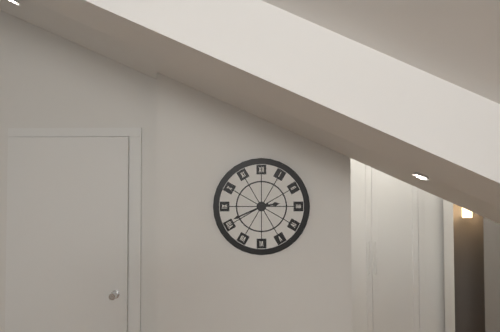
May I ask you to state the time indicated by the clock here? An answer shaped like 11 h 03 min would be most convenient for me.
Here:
2 h 41 min
